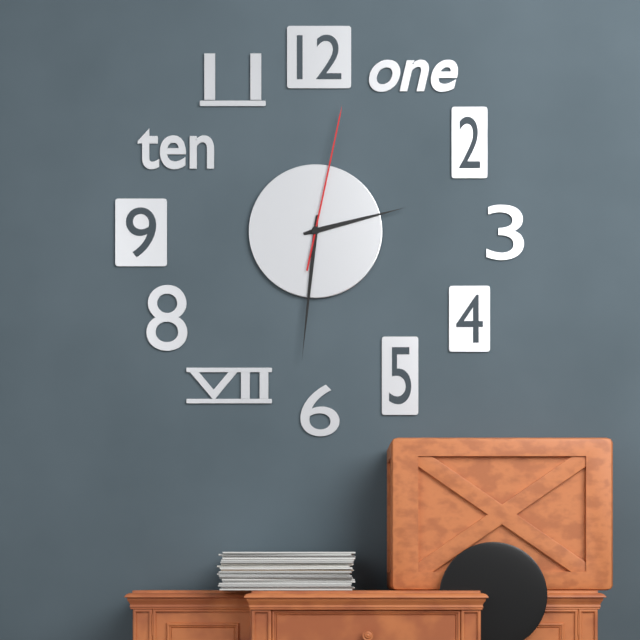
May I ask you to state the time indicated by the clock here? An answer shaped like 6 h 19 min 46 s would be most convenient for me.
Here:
2 h 31 min 02 s
